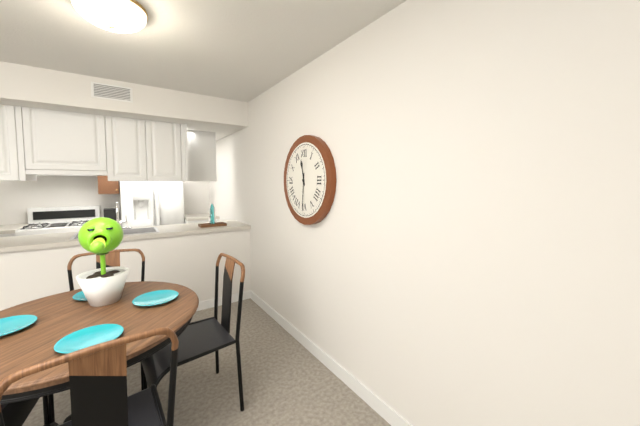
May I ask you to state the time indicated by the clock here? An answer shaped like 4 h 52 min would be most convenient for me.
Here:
11 h 31 min
